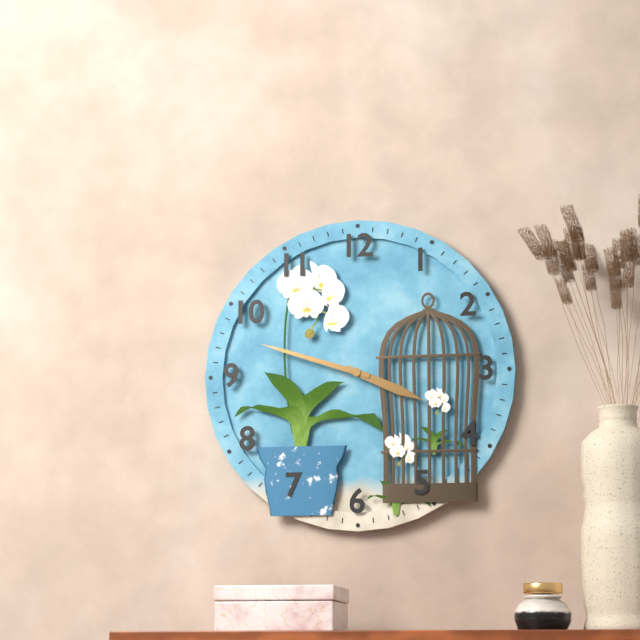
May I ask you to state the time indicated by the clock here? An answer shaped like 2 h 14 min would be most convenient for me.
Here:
3 h 48 min
